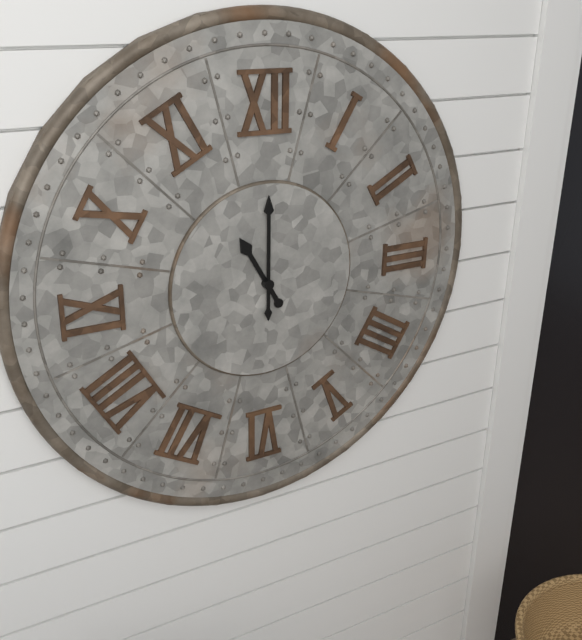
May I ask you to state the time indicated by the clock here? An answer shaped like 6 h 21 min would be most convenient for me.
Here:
11 h 00 min
